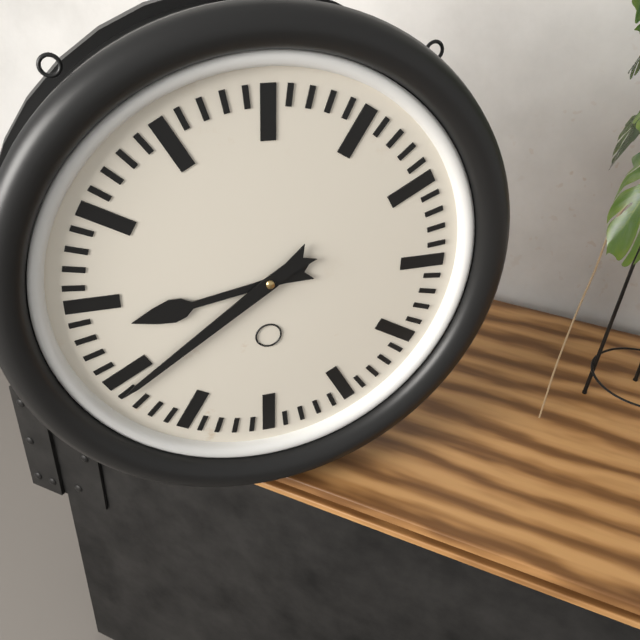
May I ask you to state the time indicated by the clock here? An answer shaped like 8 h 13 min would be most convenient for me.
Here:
8 h 39 min
